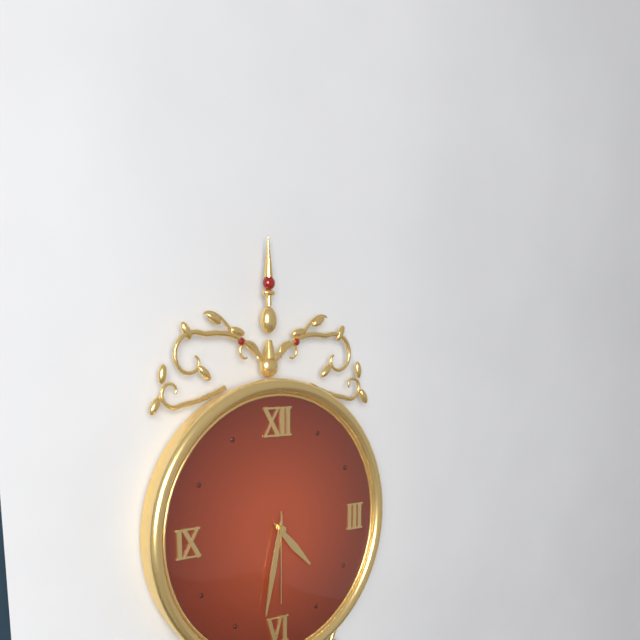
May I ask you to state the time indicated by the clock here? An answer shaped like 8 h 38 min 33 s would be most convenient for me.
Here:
4 h 32 min 30 s
